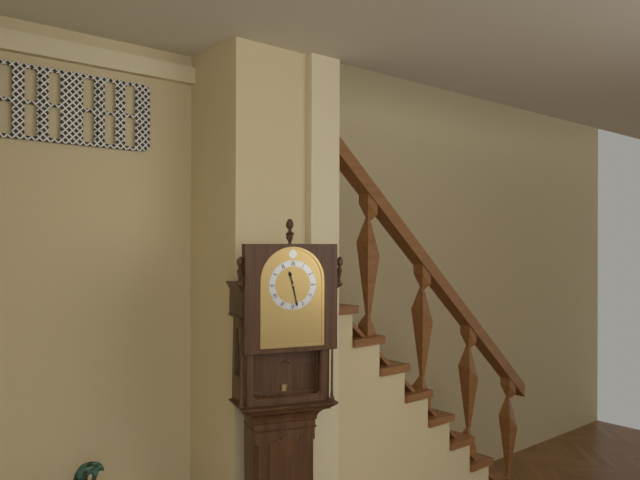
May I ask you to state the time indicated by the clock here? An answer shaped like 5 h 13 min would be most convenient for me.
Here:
11 h 28 min
